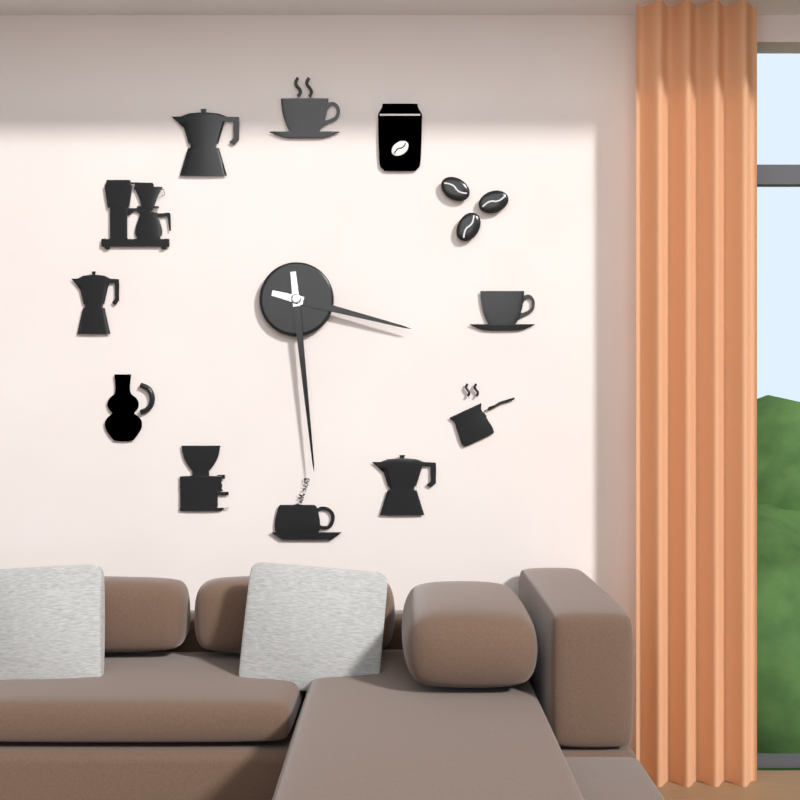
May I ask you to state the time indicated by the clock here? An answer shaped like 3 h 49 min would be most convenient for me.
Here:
3 h 29 min
